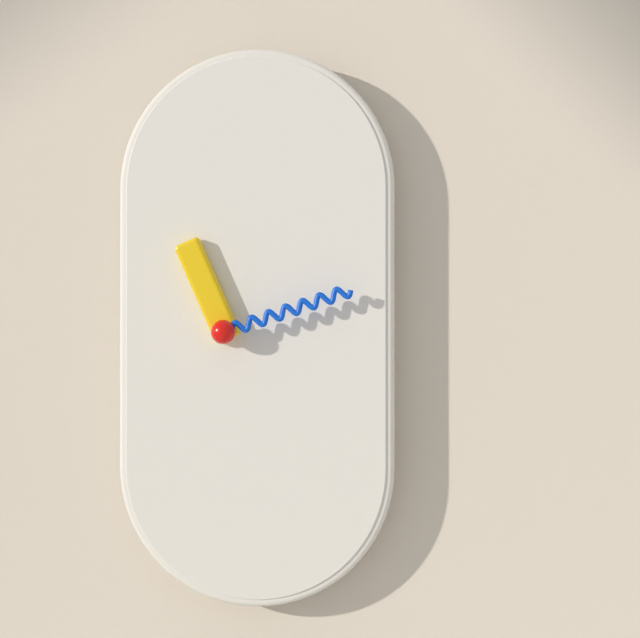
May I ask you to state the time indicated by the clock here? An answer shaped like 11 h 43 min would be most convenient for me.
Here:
11 h 12 min
